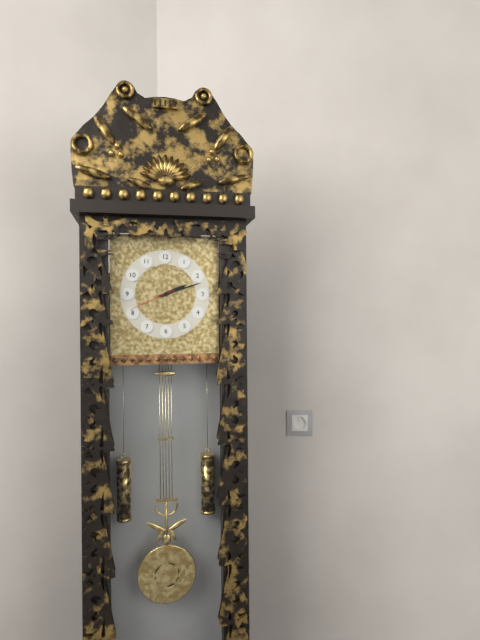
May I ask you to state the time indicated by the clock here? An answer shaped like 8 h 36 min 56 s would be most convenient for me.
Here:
2 h 12 min 41 s
